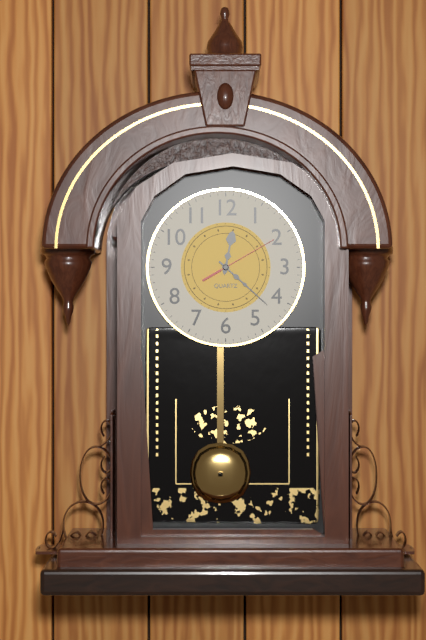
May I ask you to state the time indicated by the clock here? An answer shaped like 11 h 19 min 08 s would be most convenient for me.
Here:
12 h 22 min 10 s
